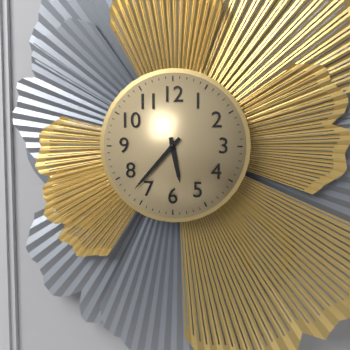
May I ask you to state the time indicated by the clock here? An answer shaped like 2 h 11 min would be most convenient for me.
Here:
5 h 37 min
